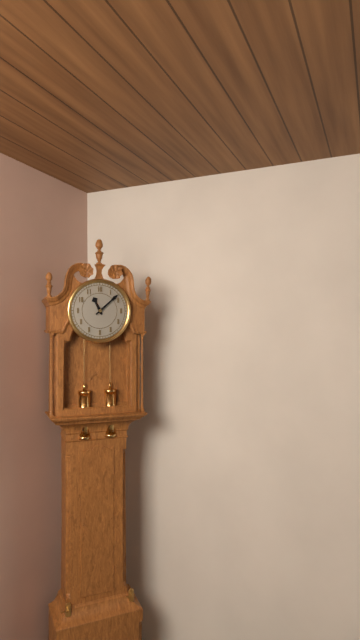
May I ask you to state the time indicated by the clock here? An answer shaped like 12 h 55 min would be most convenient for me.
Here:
11 h 08 min
